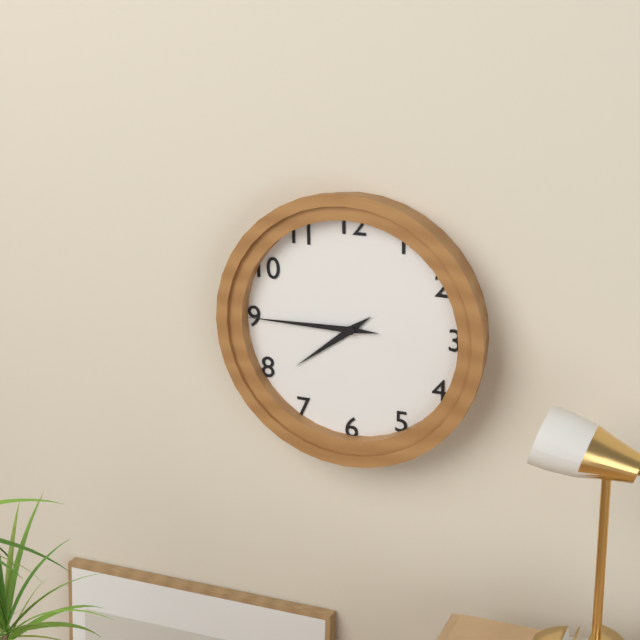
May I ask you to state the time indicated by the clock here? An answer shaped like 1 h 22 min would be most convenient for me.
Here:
7 h 45 min
